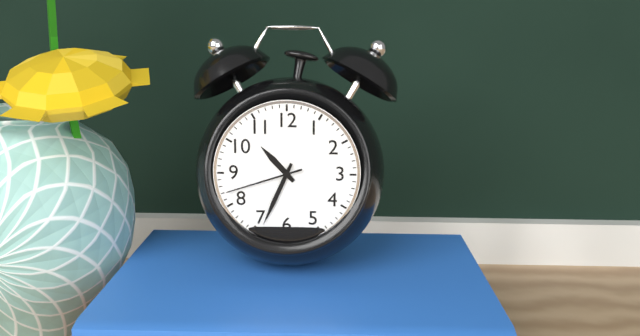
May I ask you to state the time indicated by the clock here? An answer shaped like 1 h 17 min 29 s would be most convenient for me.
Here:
10 h 34 min 42 s
